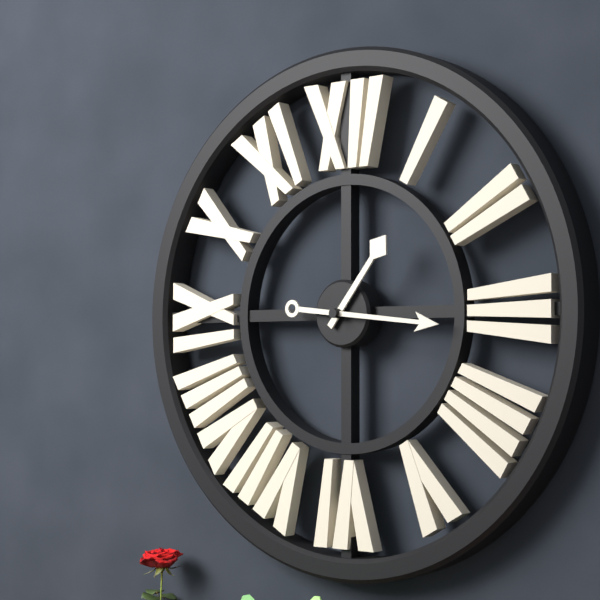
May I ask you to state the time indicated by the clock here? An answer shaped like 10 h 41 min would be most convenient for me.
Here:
1 h 16 min
